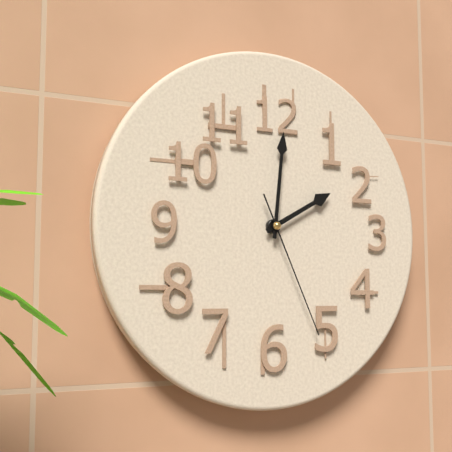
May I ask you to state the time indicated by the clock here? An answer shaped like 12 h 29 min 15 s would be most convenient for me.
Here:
2 h 01 min 26 s
